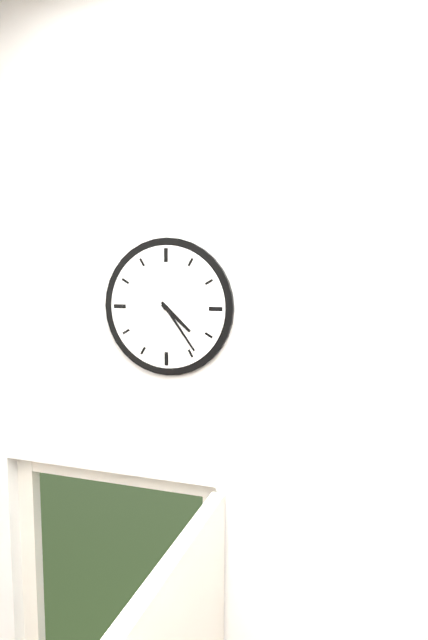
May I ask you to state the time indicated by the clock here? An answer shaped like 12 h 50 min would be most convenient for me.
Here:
4 h 24 min
